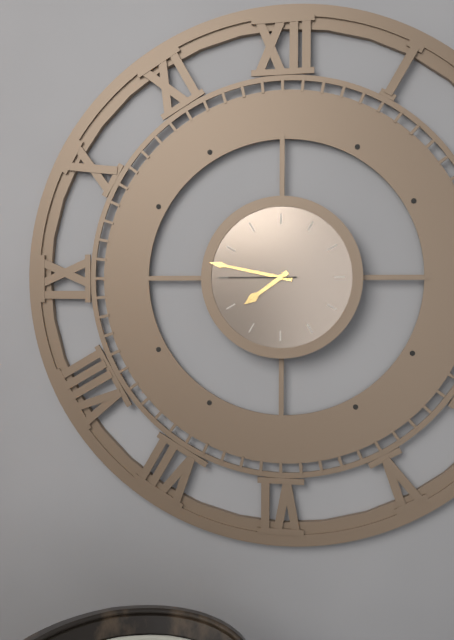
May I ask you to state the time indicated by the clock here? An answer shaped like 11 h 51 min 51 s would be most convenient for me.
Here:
7 h 47 min 45 s
